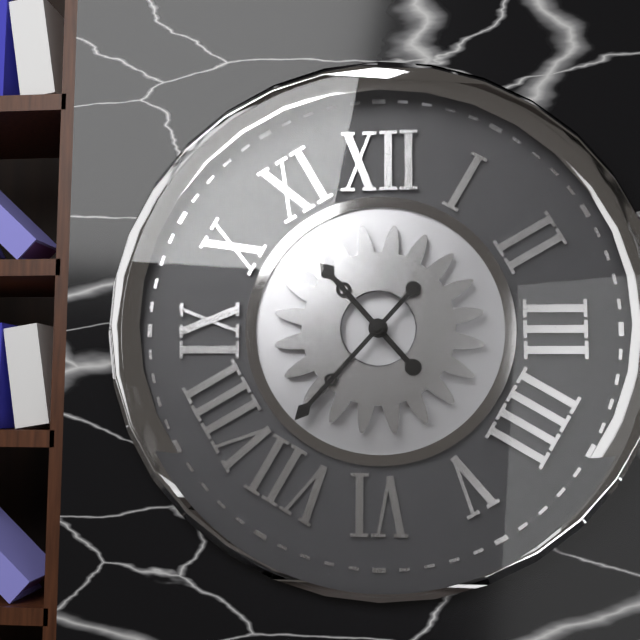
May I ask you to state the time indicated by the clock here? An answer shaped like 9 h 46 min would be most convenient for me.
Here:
10 h 37 min
